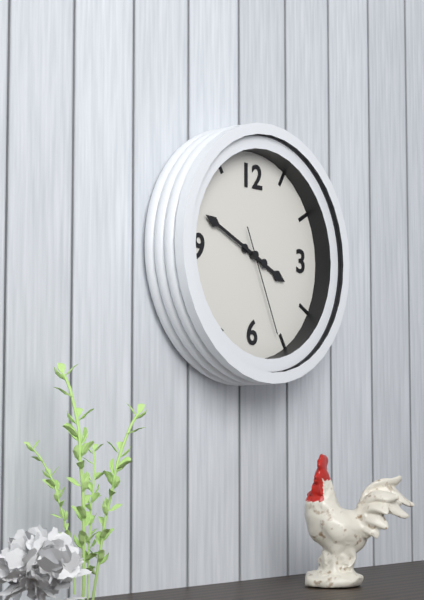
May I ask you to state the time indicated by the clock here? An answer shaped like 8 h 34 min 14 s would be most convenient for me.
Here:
3 h 49 min 26 s
